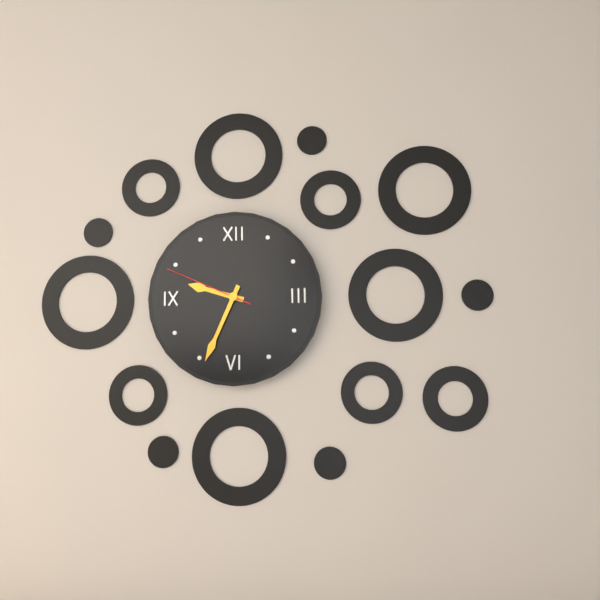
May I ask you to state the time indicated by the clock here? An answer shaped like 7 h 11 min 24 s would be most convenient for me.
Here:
9 h 34 min 49 s
